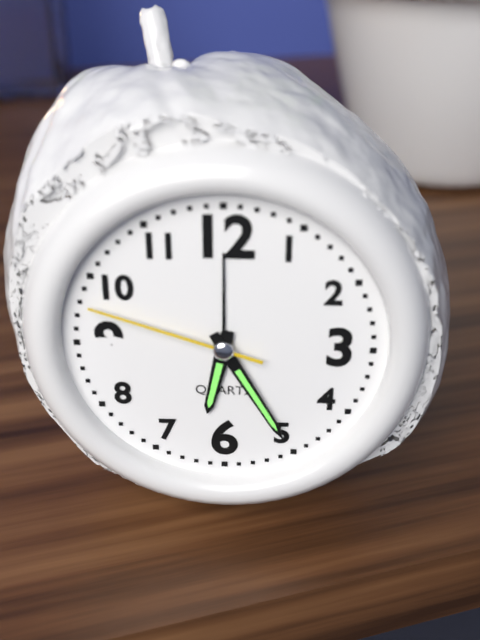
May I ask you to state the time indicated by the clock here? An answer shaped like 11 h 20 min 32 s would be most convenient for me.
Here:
6 h 25 min 48 s
